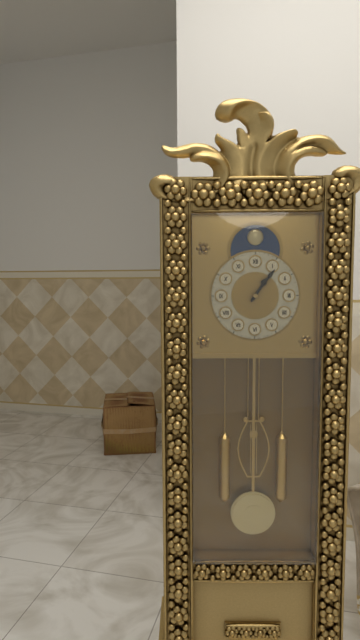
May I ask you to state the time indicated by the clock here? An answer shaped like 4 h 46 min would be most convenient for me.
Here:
1 h 06 min
